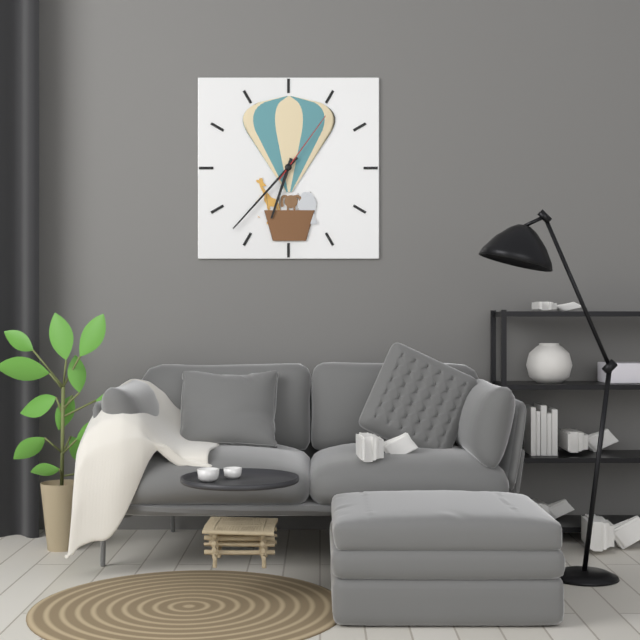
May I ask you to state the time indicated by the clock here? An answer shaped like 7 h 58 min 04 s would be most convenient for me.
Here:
6 h 37 min 06 s
